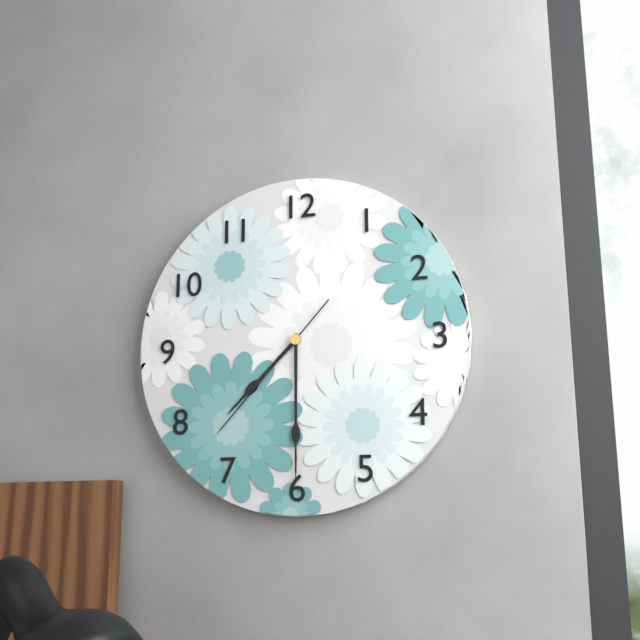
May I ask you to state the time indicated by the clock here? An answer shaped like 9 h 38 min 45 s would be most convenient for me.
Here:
7 h 30 min 37 s
